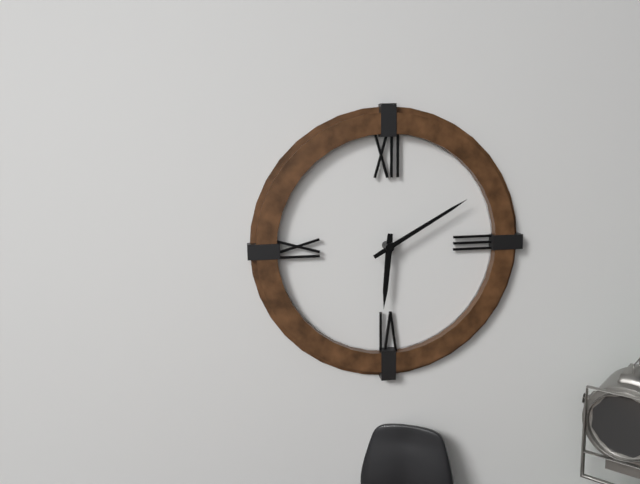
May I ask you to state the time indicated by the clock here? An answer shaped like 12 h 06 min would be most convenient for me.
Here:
6 h 10 min
